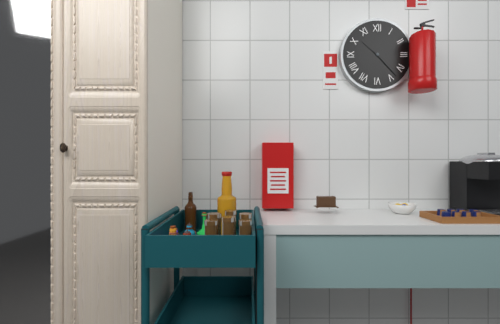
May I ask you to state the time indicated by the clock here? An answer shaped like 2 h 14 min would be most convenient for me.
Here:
10 h 23 min
